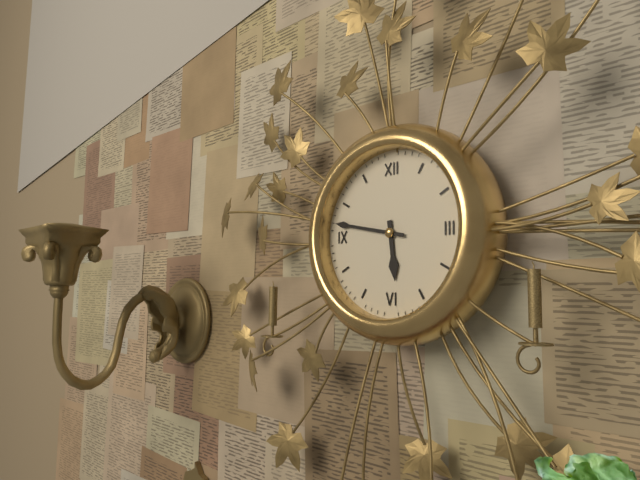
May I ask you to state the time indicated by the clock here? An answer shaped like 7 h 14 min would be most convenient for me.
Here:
5 h 47 min
